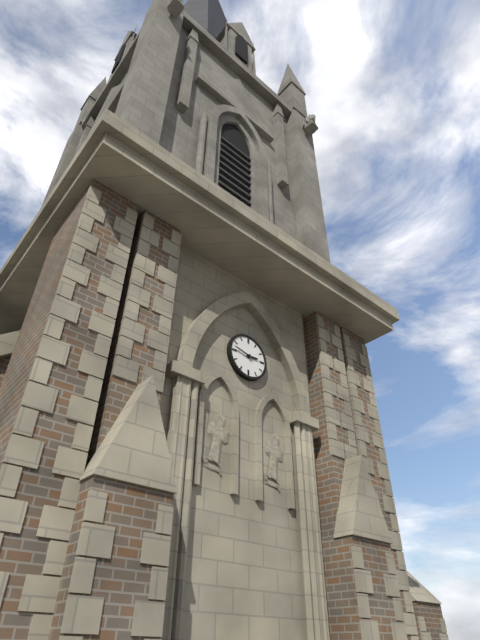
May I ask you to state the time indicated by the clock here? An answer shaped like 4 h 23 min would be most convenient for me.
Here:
2 h 47 min
